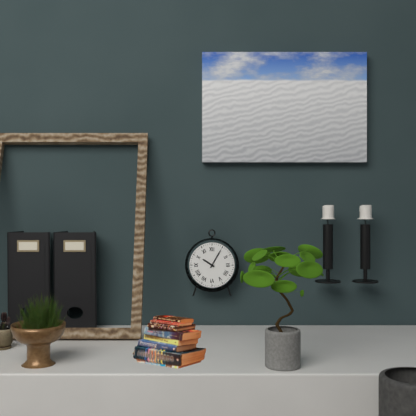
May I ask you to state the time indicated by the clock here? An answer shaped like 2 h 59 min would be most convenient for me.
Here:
10 h 05 min
